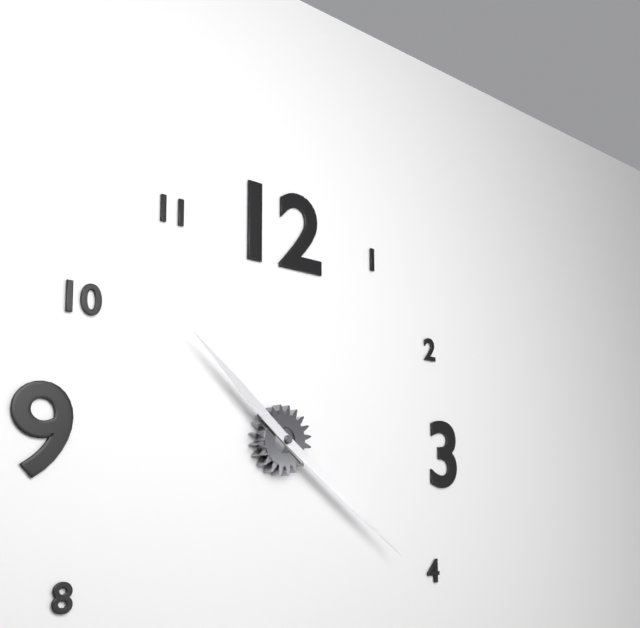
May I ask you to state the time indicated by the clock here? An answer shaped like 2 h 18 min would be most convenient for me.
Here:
10 h 21 min
